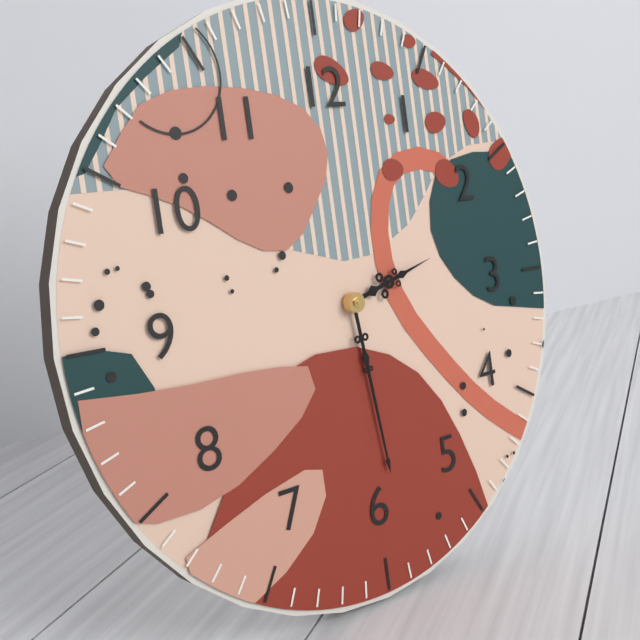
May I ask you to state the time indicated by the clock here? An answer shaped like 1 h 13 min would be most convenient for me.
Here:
2 h 29 min
